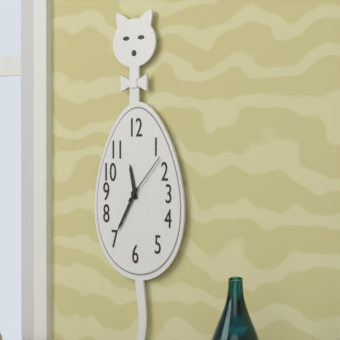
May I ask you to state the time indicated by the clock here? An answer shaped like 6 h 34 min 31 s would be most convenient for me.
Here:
11 h 35 min 07 s
